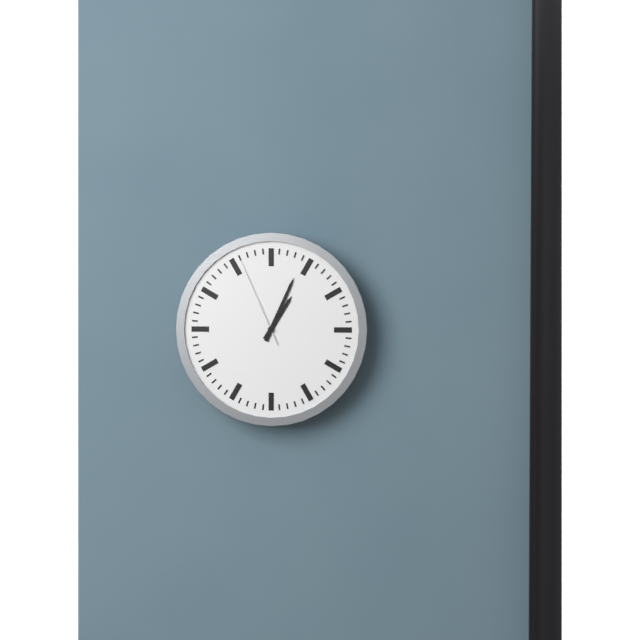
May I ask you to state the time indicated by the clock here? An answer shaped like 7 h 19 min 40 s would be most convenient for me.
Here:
1 h 04 min 56 s
